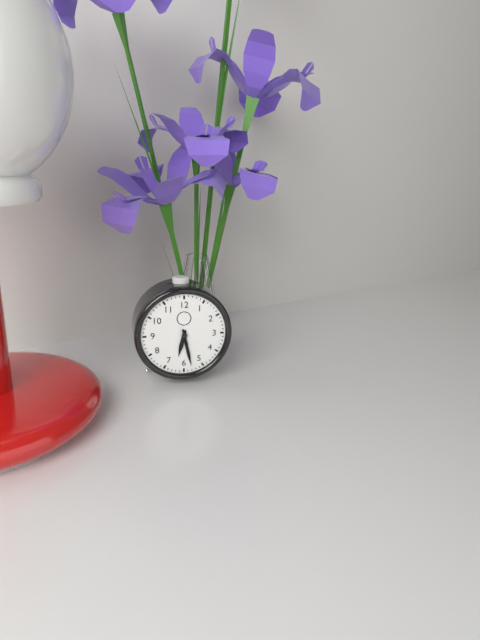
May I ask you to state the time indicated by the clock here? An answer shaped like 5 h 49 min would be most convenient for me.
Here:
6 h 28 min
